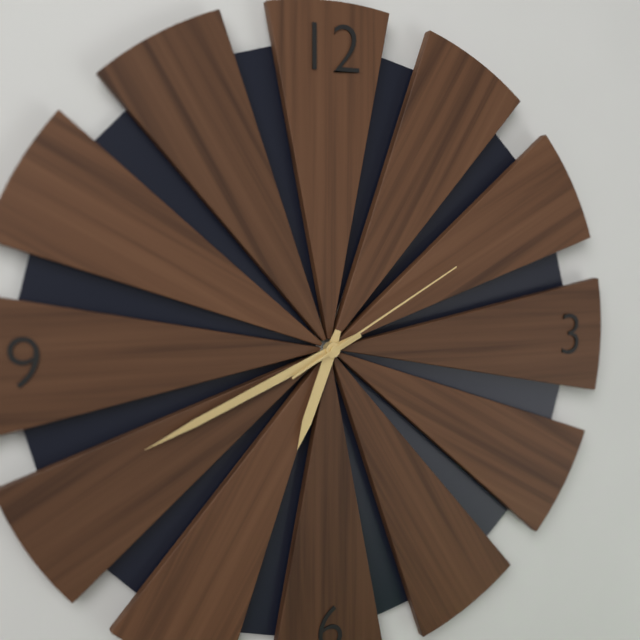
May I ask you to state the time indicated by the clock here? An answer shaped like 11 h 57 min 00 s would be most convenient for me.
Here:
6 h 41 min 10 s
